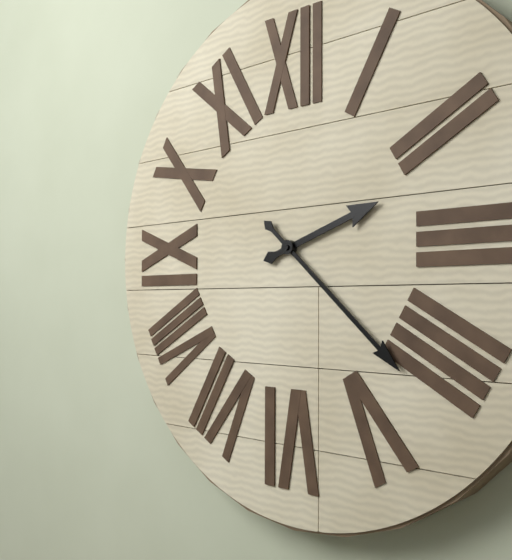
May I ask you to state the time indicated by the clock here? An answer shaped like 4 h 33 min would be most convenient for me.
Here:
2 h 22 min
